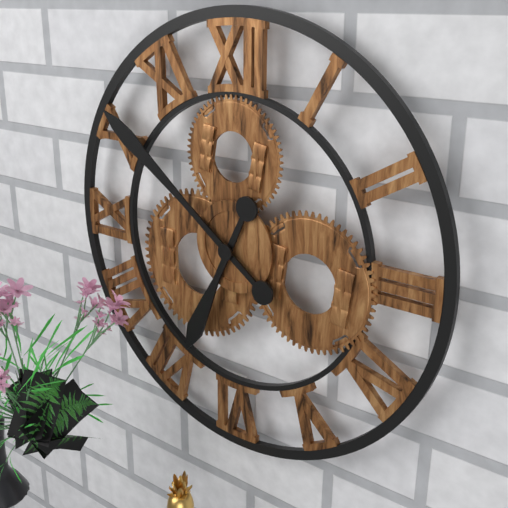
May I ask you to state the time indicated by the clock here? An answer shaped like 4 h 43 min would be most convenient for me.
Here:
6 h 51 min
